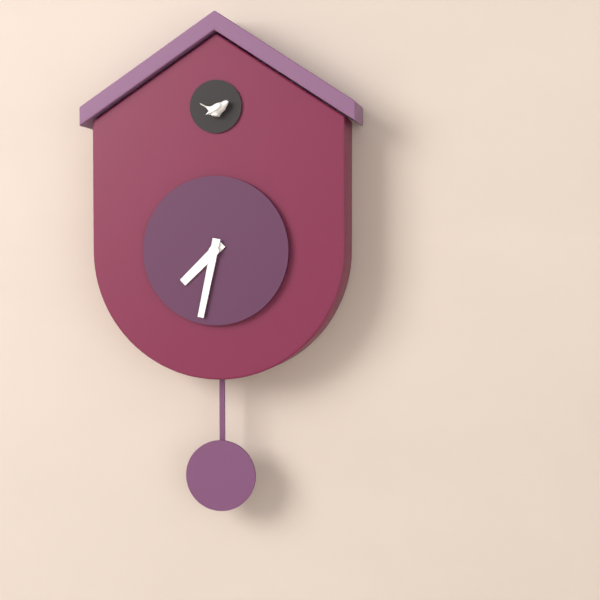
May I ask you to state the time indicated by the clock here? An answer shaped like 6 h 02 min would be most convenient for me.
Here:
7 h 32 min
